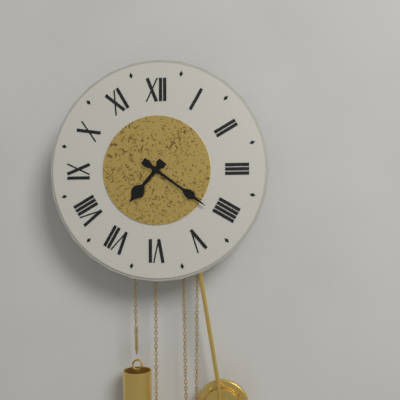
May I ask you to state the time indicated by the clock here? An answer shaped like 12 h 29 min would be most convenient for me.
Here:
7 h 21 min
